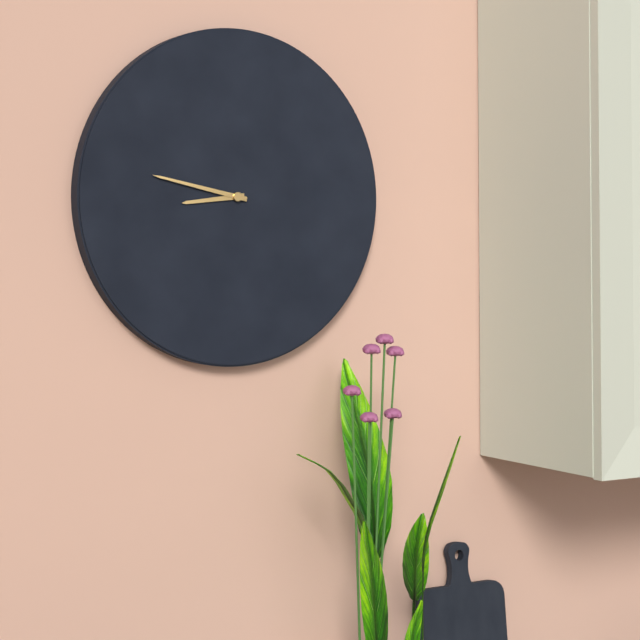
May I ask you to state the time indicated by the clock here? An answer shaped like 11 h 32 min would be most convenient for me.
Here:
8 h 47 min
